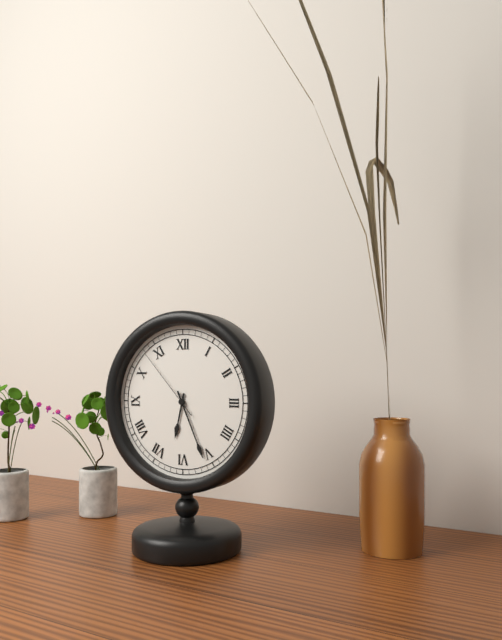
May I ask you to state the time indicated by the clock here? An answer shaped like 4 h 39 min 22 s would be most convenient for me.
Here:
6 h 26 min 53 s
